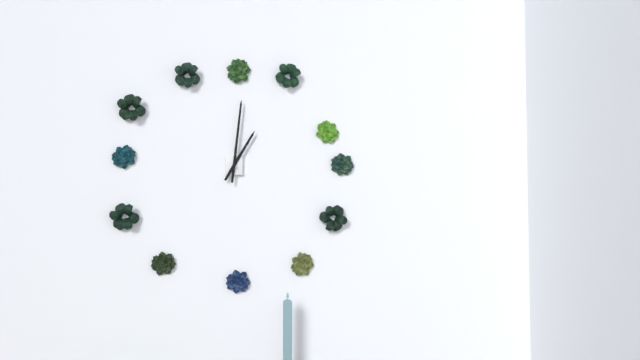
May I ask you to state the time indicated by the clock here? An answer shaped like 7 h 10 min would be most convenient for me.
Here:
1 h 01 min
